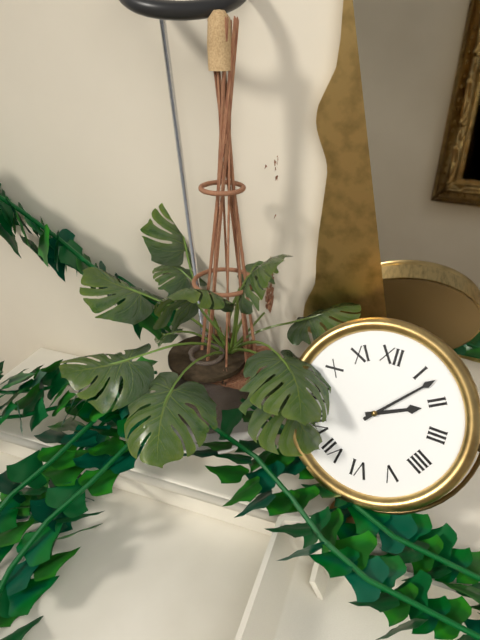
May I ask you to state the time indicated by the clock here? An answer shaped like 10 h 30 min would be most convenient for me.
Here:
2 h 07 min
